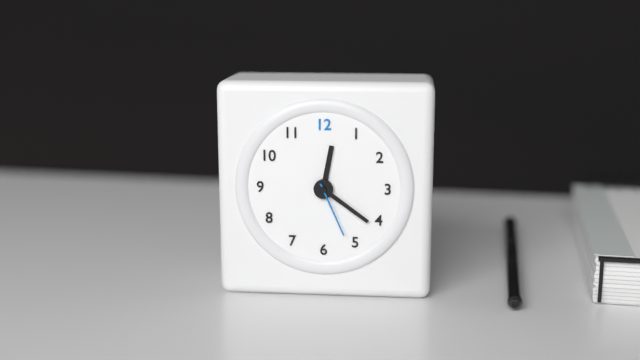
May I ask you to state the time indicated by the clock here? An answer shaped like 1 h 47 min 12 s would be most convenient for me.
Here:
12 h 21 min 26 s
